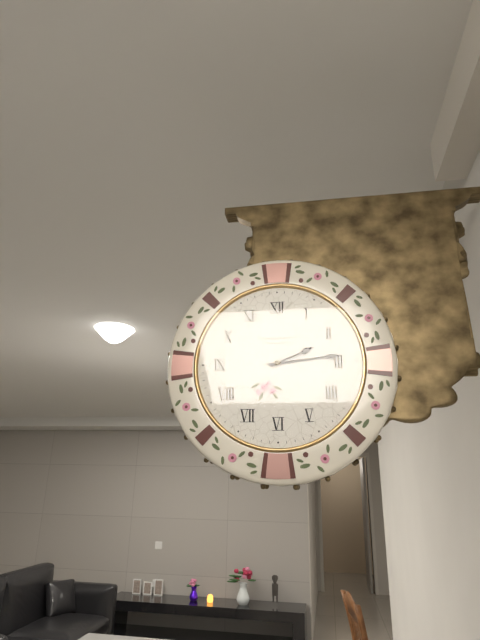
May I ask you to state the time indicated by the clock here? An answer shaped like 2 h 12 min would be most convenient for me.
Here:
2 h 14 min
